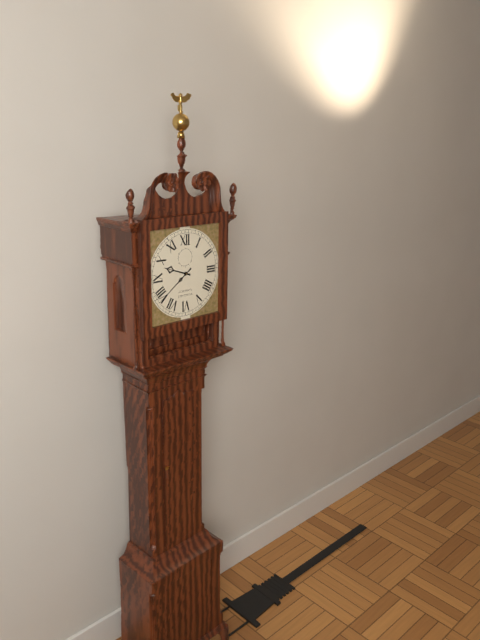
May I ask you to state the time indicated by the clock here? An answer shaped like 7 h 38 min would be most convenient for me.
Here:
9 h 39 min
